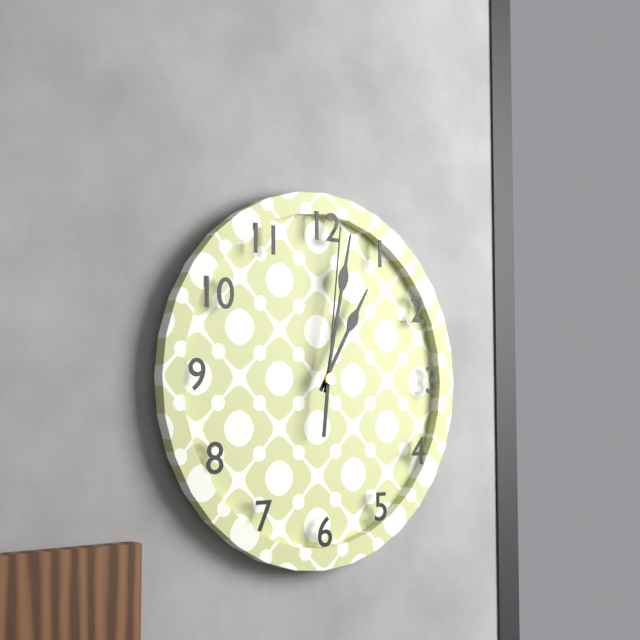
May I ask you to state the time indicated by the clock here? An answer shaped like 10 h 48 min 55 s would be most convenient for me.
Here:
1 h 02 min 01 s
